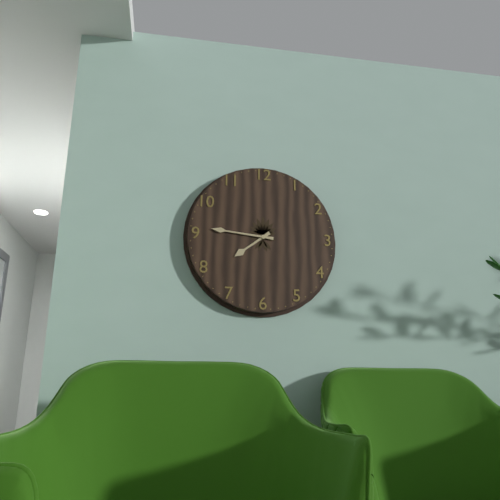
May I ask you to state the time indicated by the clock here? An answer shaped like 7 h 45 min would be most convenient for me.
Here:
7 h 46 min
